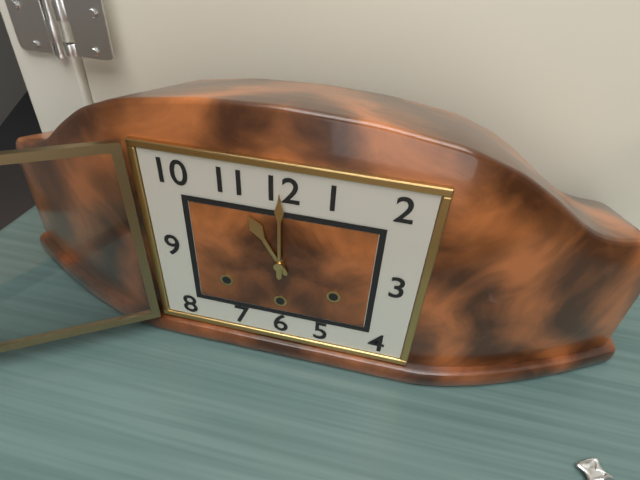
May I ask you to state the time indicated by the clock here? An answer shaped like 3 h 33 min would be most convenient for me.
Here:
11 h 00 min
